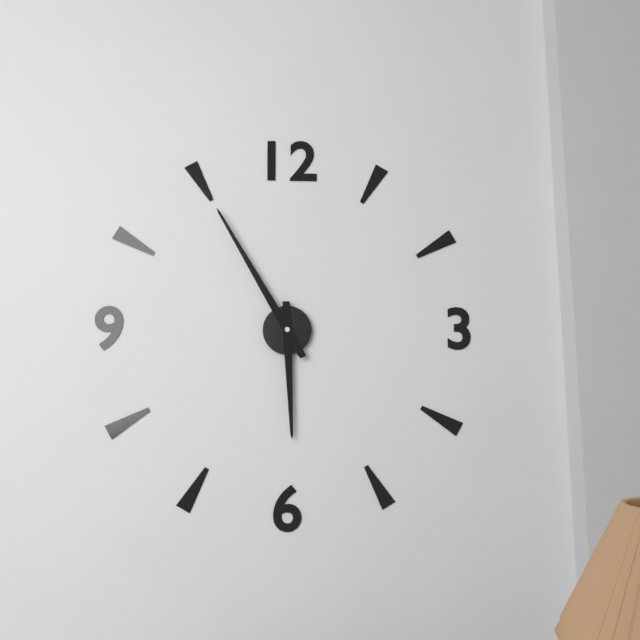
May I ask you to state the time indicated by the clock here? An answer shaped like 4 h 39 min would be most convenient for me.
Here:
5 h 55 min
